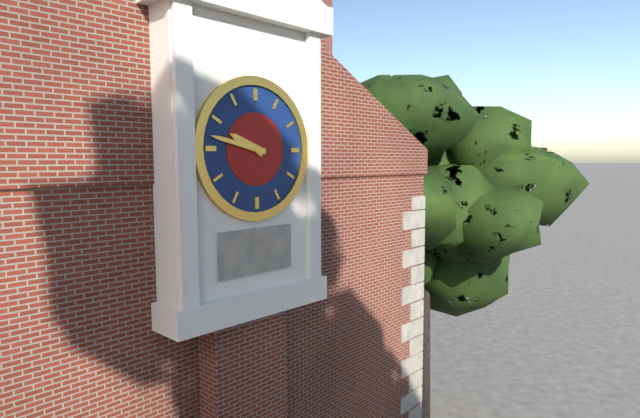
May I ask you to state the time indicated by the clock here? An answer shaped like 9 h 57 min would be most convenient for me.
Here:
9 h 47 min
